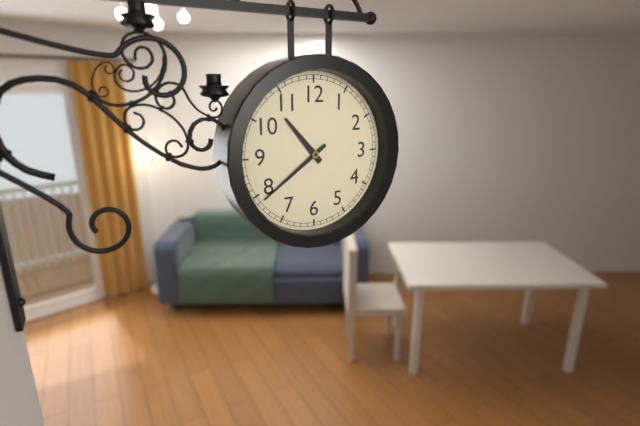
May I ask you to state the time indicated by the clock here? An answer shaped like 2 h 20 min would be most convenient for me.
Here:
10 h 39 min
